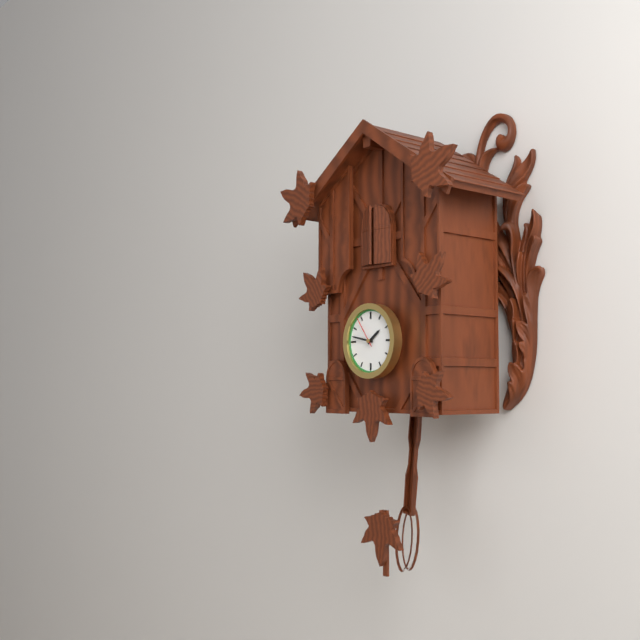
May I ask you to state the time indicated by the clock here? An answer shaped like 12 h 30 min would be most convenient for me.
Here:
1 h 47 min
